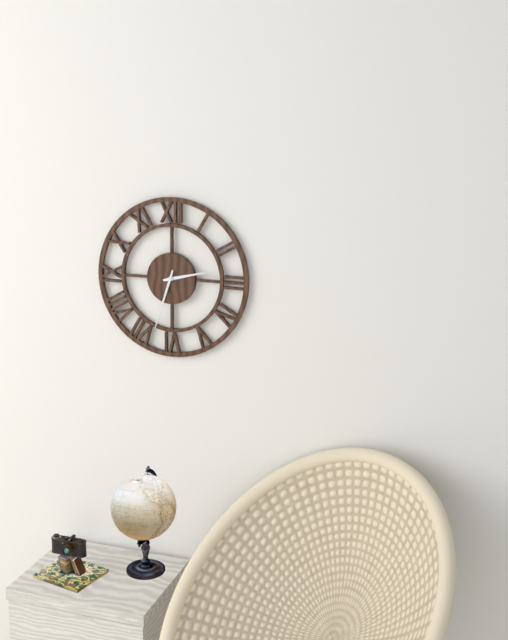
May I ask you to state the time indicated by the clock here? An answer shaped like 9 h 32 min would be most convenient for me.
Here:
2 h 33 min
